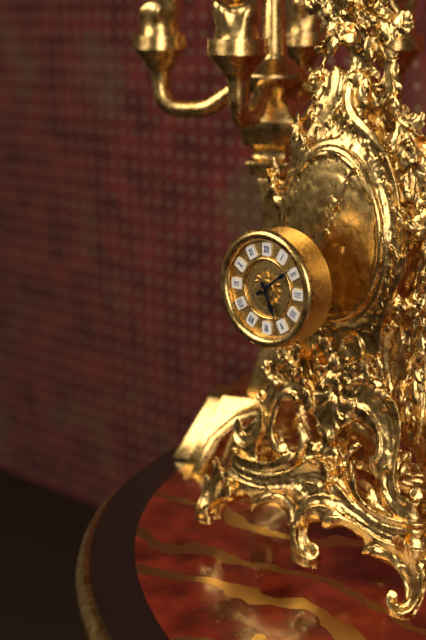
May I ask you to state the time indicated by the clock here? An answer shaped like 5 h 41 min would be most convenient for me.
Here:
5 h 09 min
